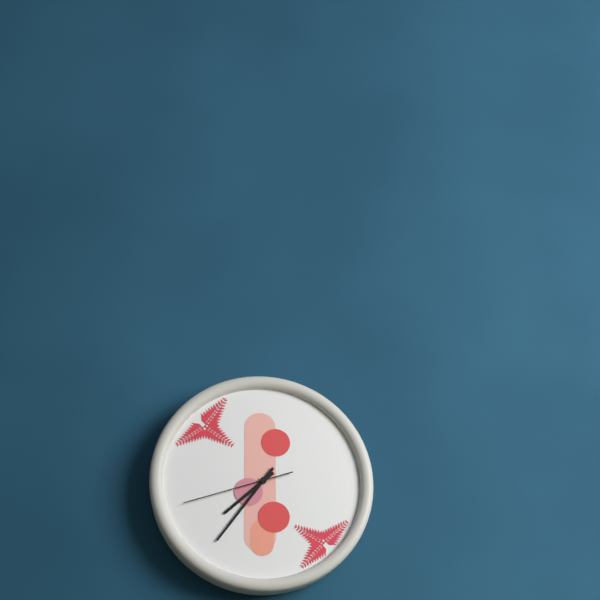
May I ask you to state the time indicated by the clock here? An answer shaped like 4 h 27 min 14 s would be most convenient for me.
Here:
7 h 36 min 42 s
